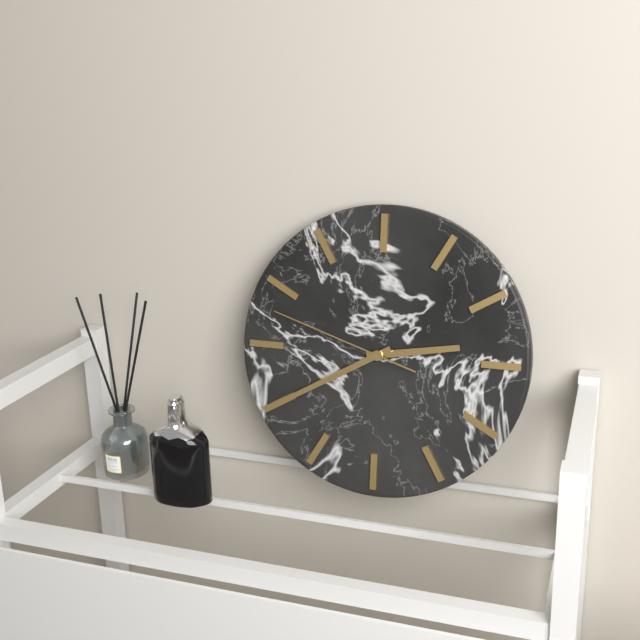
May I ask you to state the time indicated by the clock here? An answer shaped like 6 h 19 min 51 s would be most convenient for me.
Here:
2 h 40 min 48 s
